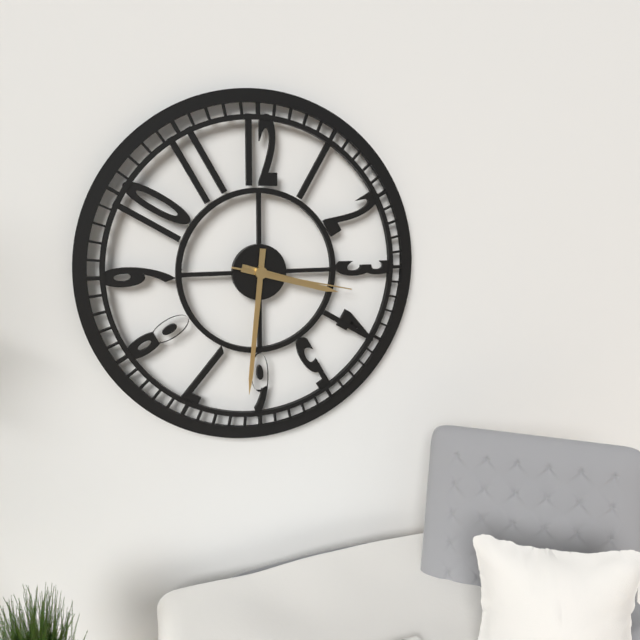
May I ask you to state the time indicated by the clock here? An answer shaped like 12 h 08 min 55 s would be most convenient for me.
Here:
3 h 31 min 17 s
